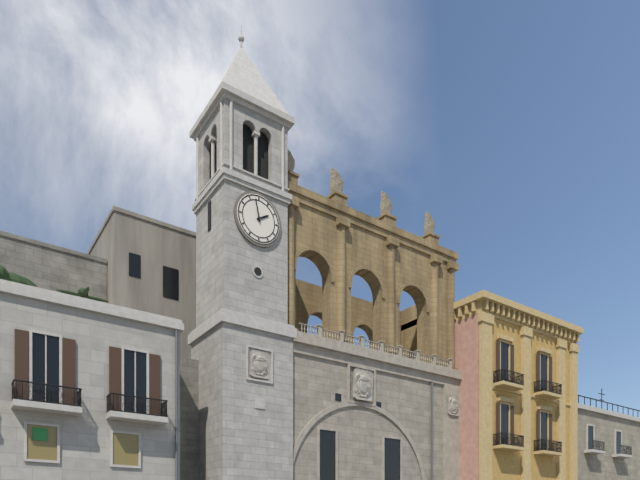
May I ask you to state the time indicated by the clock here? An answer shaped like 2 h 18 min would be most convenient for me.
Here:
1 h 58 min
